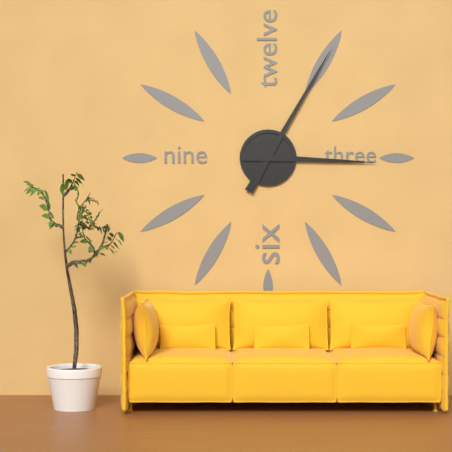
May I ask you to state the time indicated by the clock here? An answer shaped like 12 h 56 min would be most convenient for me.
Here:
3 h 05 min
